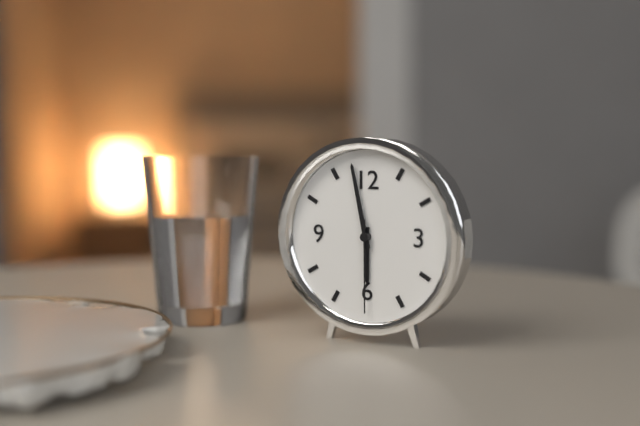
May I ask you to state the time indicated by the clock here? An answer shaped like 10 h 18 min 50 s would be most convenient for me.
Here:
5 h 58 min 30 s
